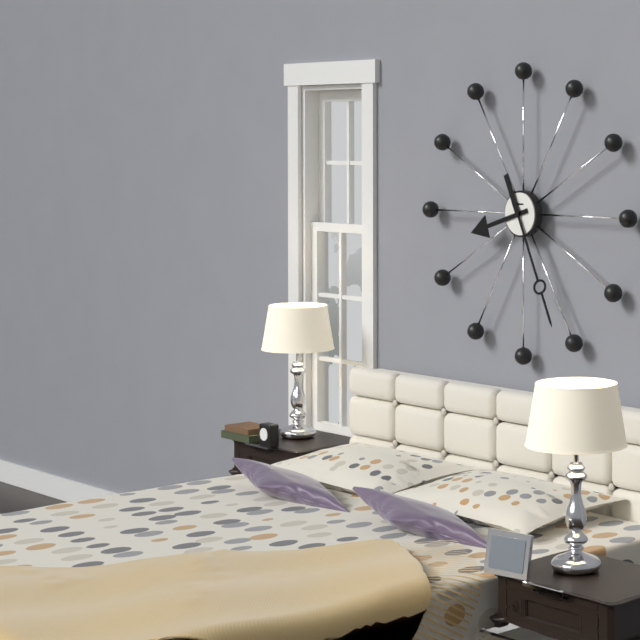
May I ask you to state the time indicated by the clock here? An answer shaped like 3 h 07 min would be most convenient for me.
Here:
8 h 26 min
